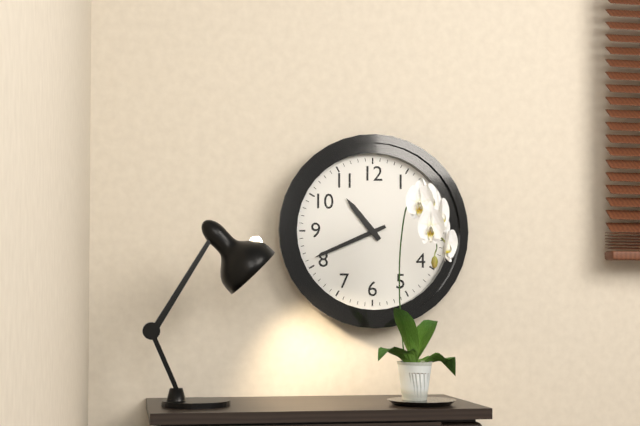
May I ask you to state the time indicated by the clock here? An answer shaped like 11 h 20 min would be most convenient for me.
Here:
10 h 41 min
